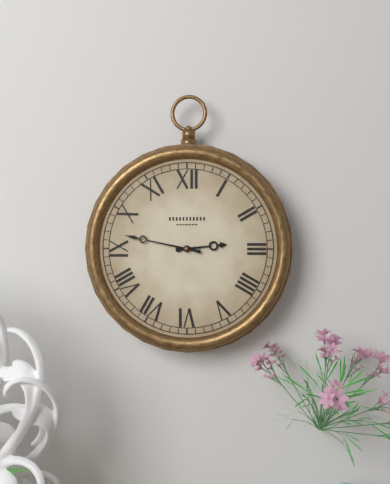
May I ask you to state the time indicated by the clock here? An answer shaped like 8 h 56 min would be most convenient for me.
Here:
2 h 47 min
